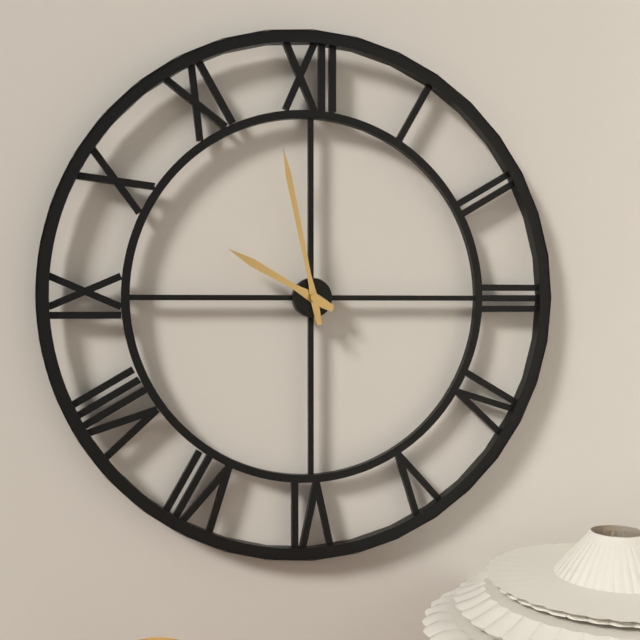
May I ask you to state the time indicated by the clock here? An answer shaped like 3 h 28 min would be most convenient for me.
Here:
9 h 58 min
